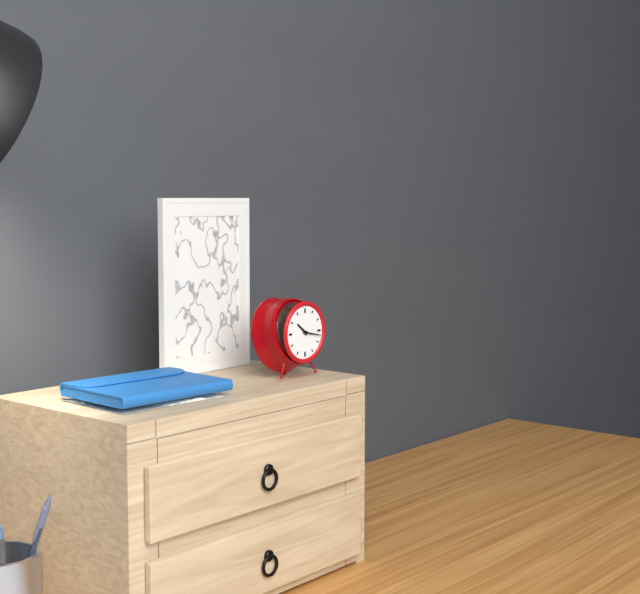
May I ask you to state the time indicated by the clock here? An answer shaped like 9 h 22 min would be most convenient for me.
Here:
10 h 17 min
